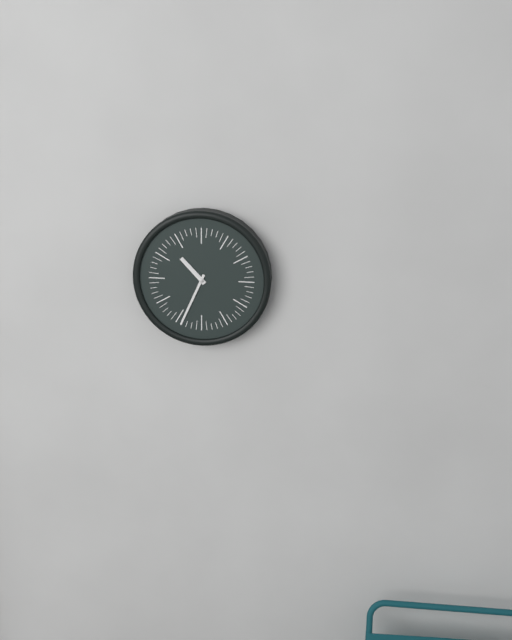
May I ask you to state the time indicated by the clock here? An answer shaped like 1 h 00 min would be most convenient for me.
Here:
10 h 34 min
